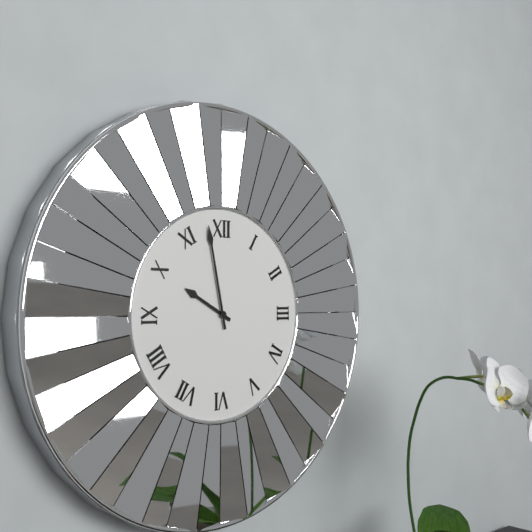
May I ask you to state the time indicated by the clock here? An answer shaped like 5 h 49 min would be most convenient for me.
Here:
9 h 58 min
